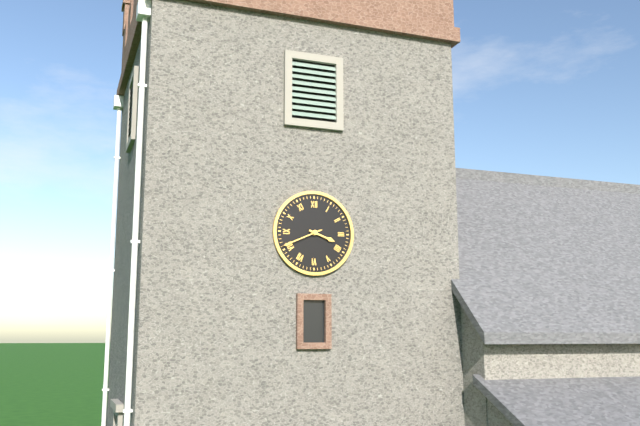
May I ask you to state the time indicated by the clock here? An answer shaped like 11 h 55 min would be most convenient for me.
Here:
3 h 41 min
